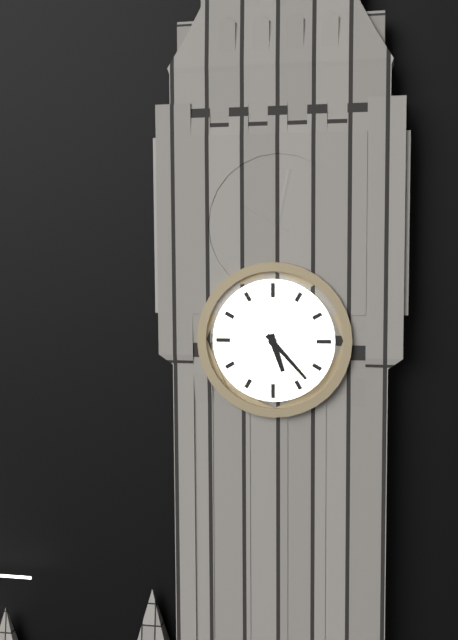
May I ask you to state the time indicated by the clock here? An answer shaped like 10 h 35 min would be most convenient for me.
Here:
5 h 23 min
